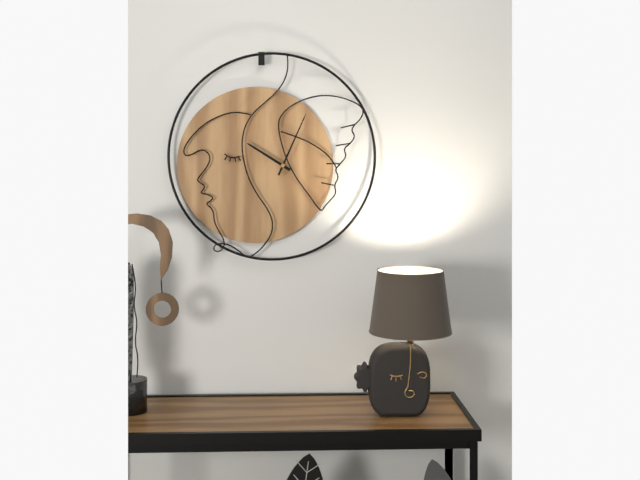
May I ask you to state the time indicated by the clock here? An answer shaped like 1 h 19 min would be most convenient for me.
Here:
10 h 04 min
